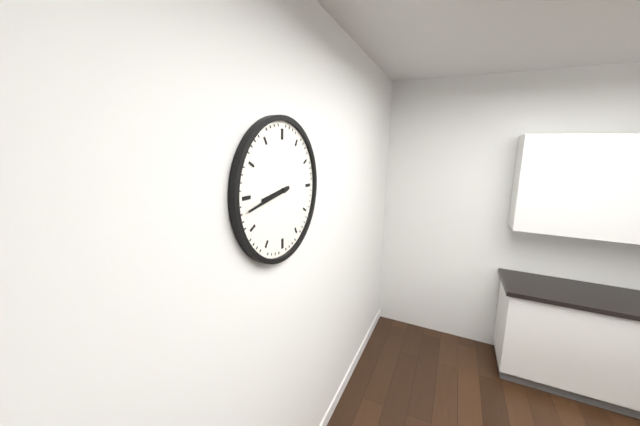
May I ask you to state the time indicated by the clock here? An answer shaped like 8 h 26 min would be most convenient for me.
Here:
8 h 43 min
